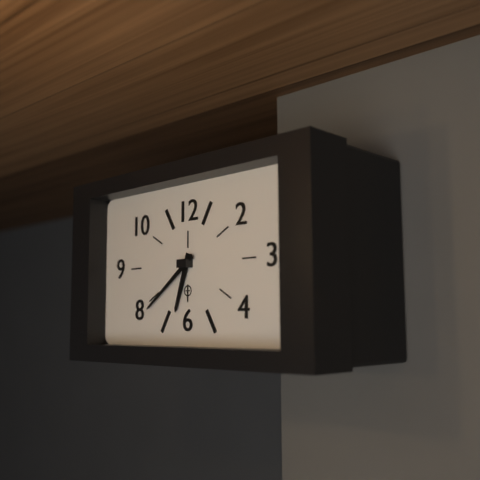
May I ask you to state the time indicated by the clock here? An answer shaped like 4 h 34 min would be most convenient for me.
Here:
6 h 39 min
